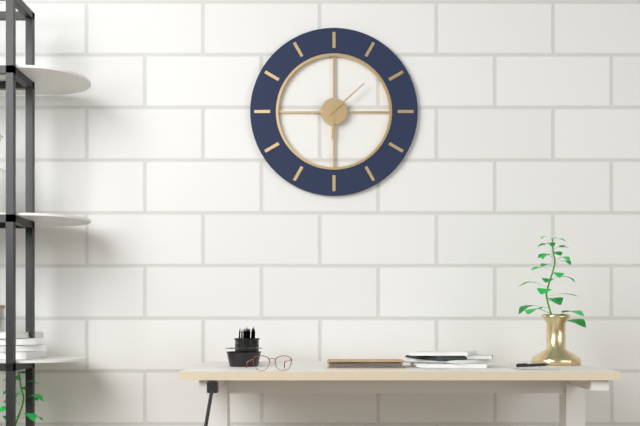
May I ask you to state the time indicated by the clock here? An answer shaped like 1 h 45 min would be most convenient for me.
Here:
6 h 08 min
